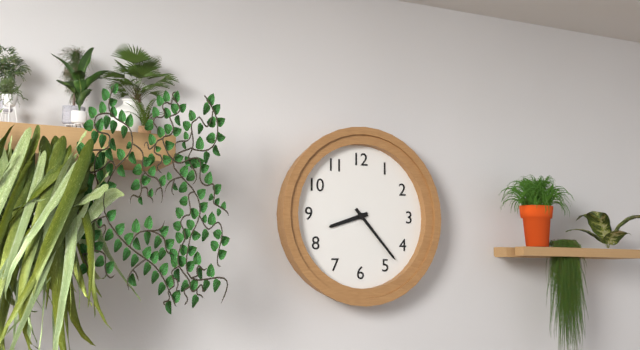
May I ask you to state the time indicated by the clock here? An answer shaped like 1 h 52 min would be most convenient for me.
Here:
8 h 23 min
